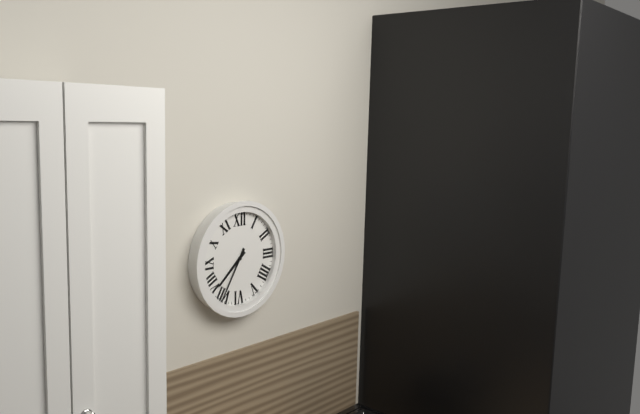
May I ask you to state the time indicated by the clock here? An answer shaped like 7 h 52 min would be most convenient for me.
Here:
7 h 35 min
